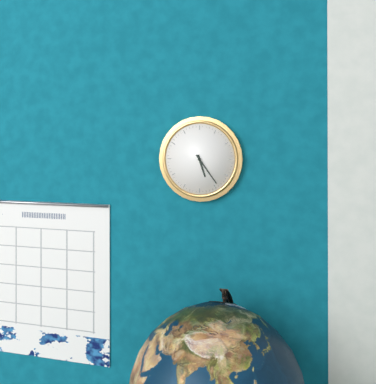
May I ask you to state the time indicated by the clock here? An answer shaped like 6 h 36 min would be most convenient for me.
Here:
5 h 24 min
